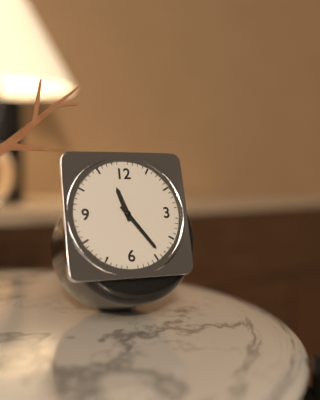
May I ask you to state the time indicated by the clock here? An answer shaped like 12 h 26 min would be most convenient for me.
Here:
11 h 24 min
